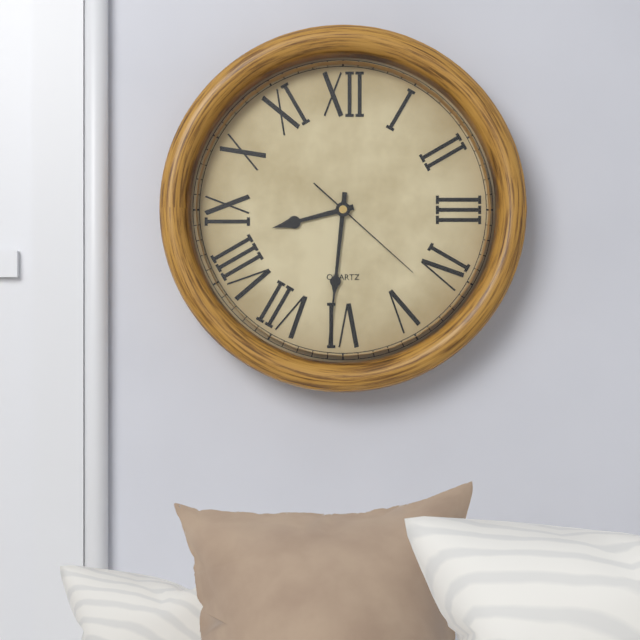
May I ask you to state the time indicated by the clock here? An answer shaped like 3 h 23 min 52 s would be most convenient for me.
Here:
8 h 31 min 22 s
